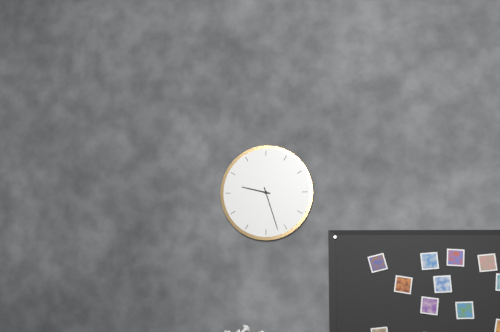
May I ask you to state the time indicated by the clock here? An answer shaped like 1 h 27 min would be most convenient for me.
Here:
9 h 27 min
